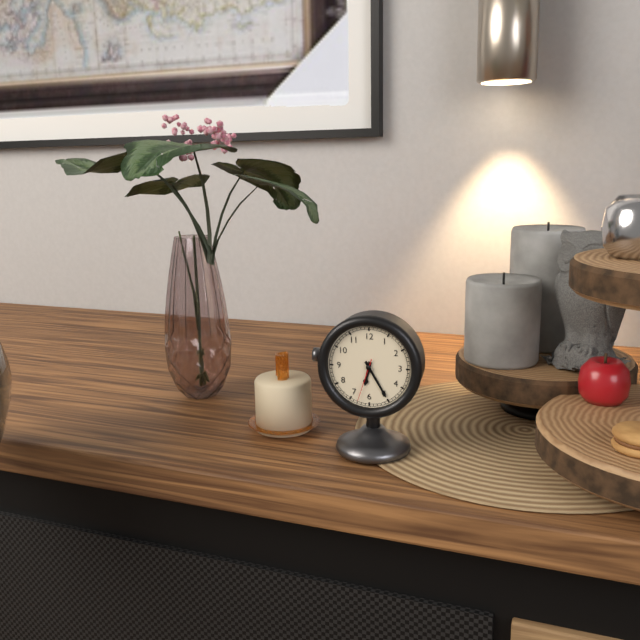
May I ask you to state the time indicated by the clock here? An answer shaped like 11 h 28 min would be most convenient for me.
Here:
6 h 25 min
